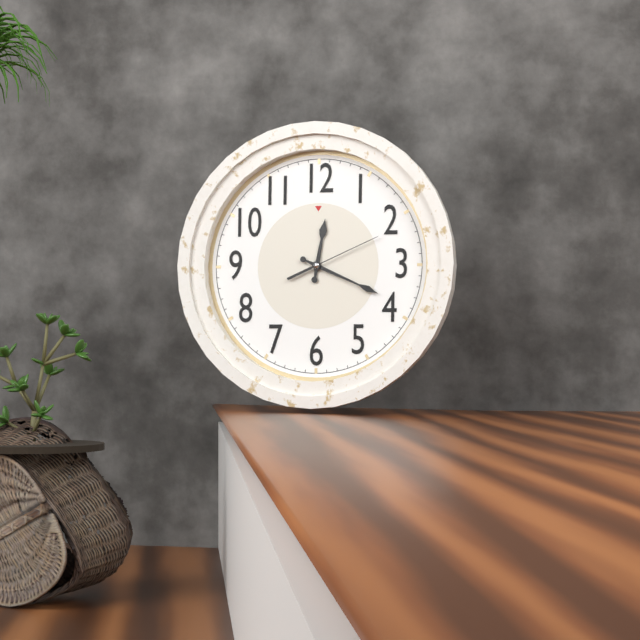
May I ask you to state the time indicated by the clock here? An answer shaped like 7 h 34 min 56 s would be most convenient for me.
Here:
12 h 19 min 11 s
